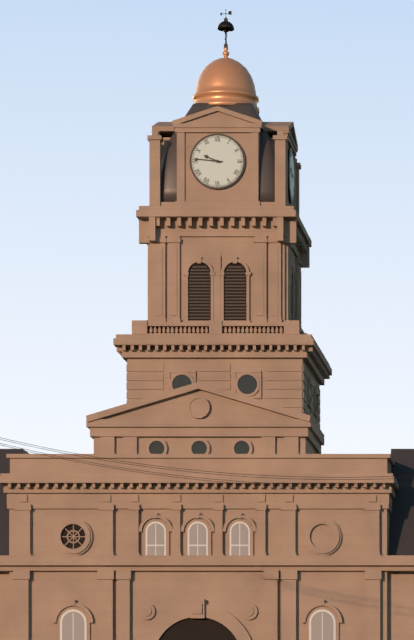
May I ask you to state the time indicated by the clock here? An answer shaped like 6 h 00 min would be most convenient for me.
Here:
9 h 46 min
